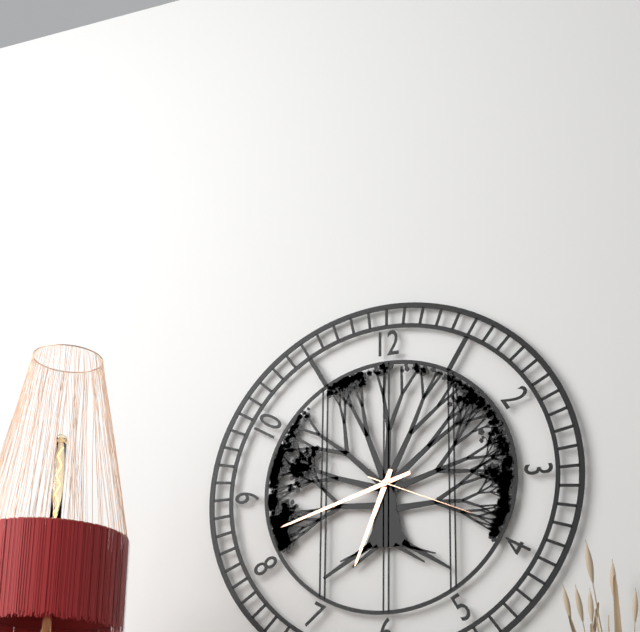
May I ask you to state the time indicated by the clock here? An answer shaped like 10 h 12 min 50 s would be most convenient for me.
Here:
6 h 42 min 19 s
